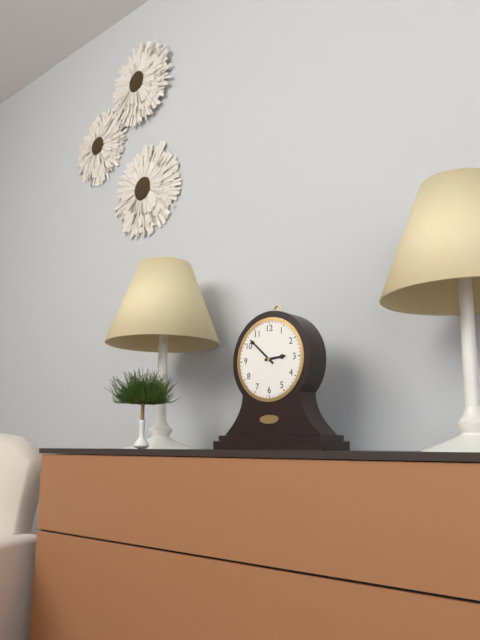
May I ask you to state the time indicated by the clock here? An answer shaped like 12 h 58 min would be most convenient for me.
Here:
2 h 52 min
